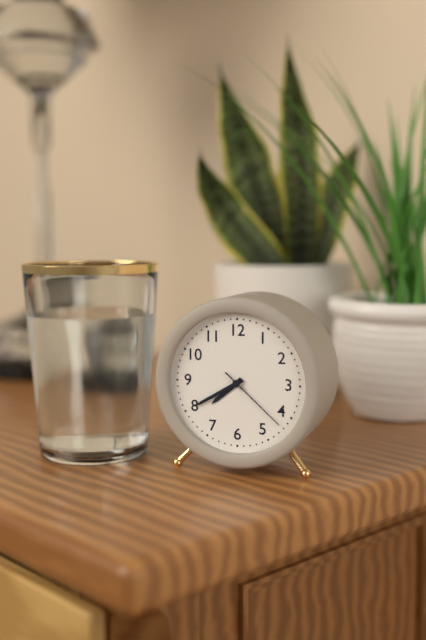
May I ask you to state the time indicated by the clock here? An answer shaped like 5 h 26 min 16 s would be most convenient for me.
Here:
7 h 40 min 22 s
